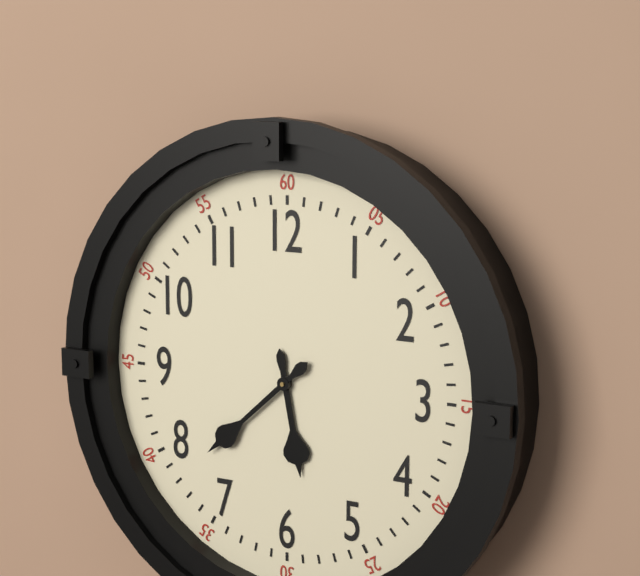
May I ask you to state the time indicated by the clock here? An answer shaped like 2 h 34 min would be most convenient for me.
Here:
5 h 38 min
